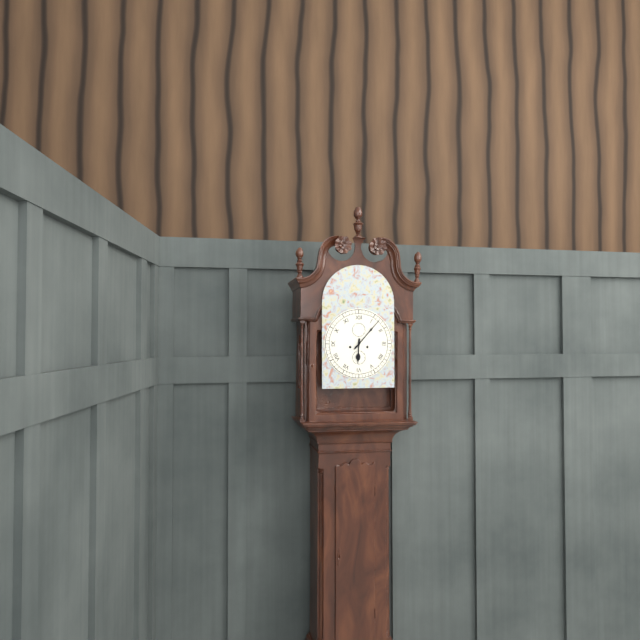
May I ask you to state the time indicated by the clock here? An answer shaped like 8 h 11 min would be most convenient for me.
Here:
6 h 07 min
